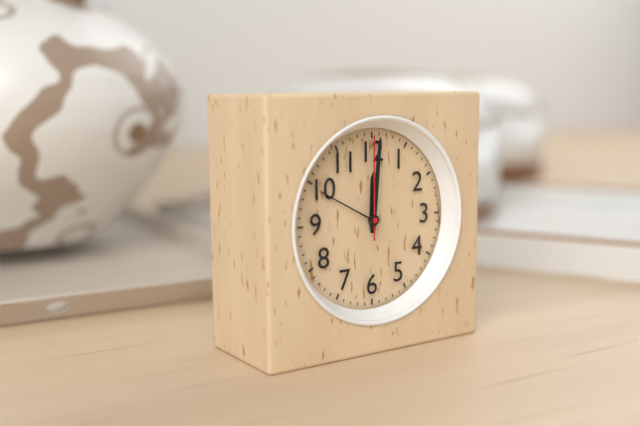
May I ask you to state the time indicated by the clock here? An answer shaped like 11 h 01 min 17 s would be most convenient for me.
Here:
12 h 01 min 00 s
